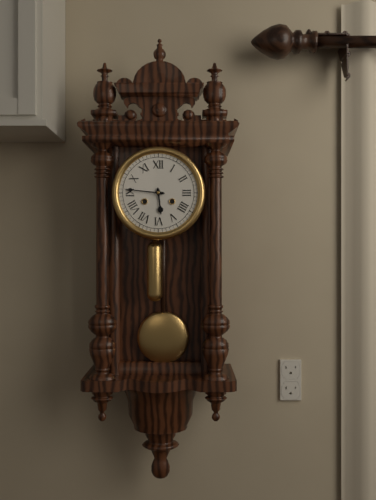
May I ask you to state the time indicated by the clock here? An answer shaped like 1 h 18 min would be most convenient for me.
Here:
5 h 46 min
